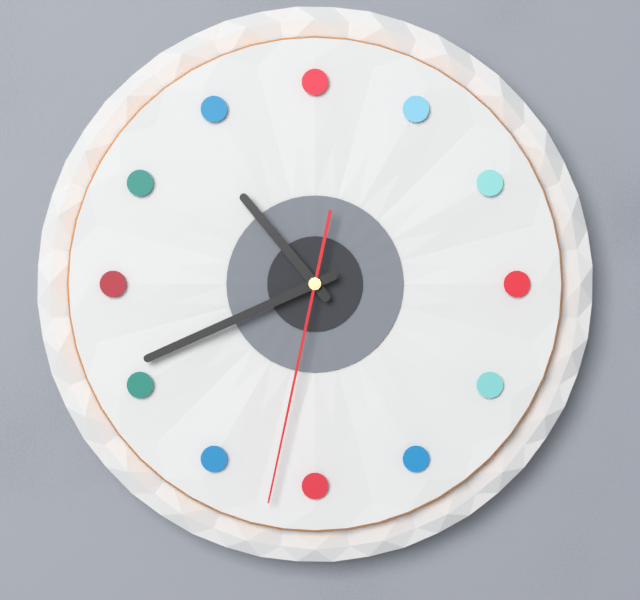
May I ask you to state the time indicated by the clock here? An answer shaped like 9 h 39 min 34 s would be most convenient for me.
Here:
10 h 41 min 32 s
